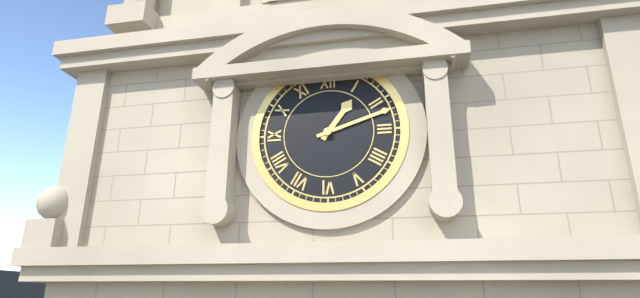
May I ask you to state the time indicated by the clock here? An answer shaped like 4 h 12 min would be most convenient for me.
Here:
1 h 12 min
